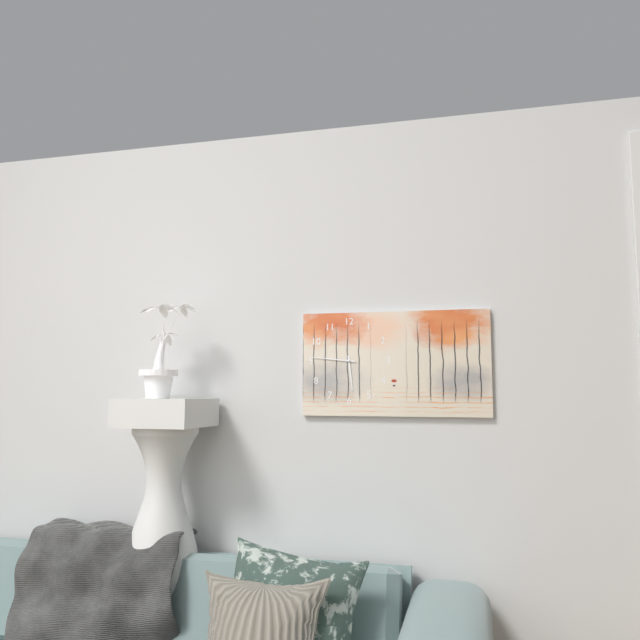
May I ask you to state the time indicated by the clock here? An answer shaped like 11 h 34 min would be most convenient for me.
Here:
5 h 46 min
